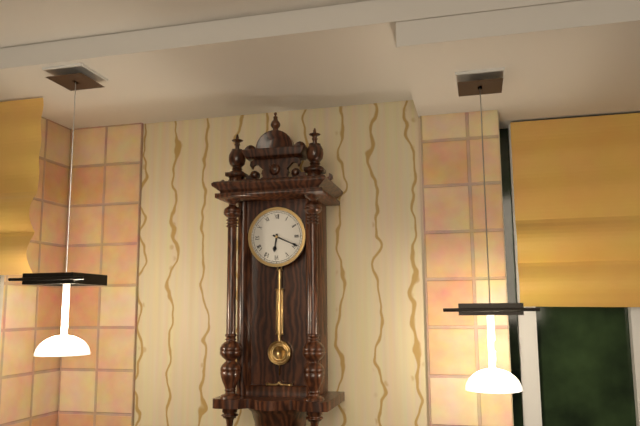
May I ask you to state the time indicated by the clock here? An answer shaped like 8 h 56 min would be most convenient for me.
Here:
6 h 19 min
